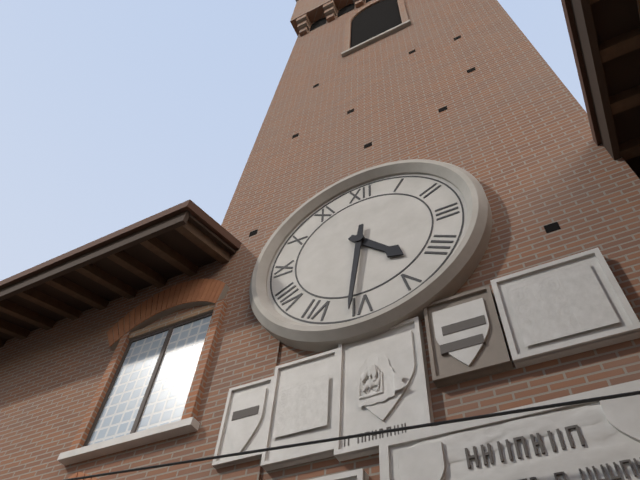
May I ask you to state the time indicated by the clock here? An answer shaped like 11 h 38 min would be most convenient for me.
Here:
4 h 31 min
